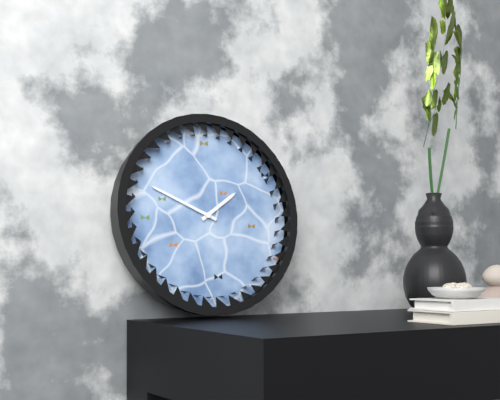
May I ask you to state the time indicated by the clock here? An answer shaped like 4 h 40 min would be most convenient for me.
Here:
1 h 49 min
